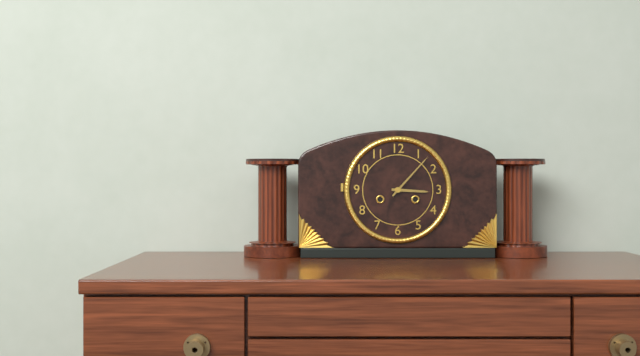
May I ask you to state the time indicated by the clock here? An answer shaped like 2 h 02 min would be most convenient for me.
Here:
3 h 07 min
